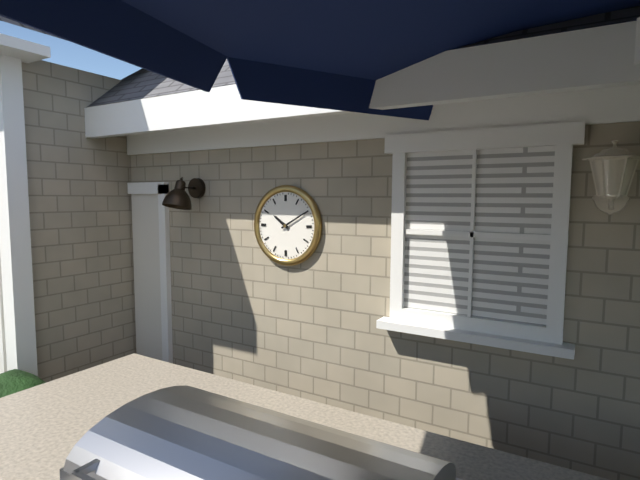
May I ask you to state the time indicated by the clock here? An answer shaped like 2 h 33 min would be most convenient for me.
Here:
10 h 10 min
